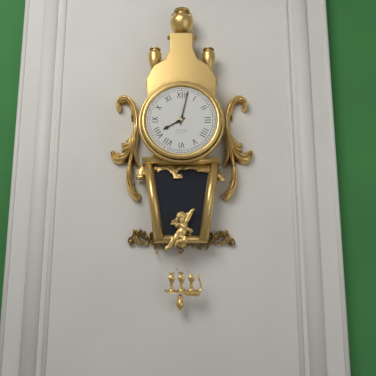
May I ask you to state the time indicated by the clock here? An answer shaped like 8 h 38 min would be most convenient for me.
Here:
8 h 02 min
